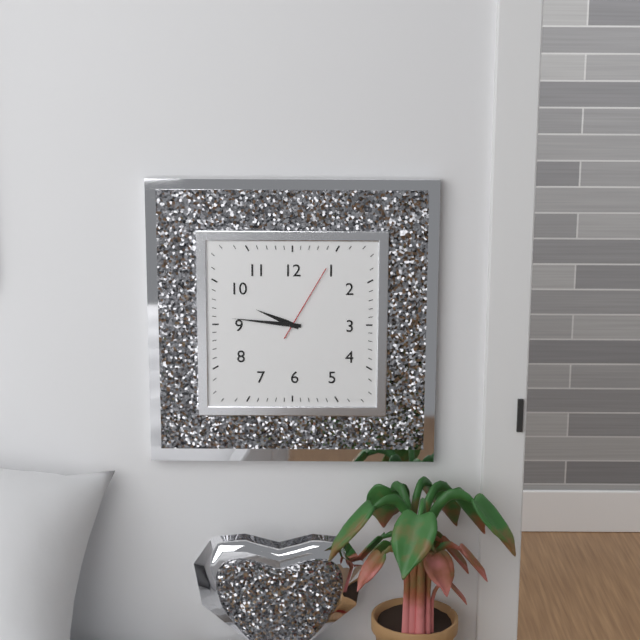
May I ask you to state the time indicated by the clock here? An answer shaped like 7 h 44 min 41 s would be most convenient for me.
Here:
9 h 46 min 05 s
